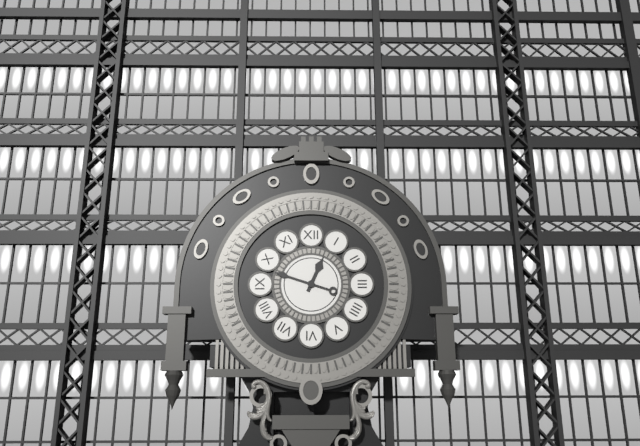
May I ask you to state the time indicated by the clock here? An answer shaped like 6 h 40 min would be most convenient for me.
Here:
12 h 48 min
